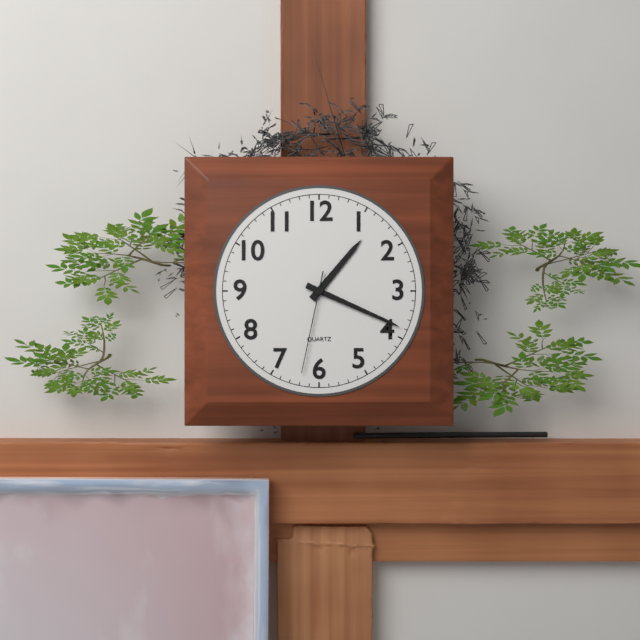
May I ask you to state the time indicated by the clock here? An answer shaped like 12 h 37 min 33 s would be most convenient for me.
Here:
1 h 19 min 32 s
